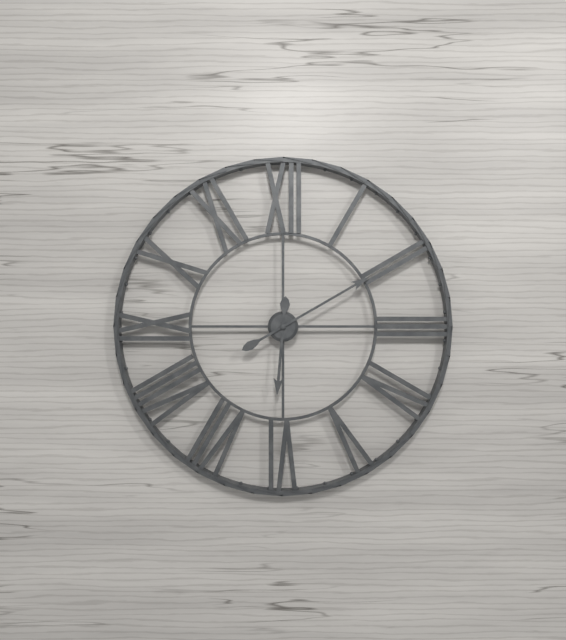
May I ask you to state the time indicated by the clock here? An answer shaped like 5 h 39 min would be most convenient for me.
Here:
6 h 10 min
